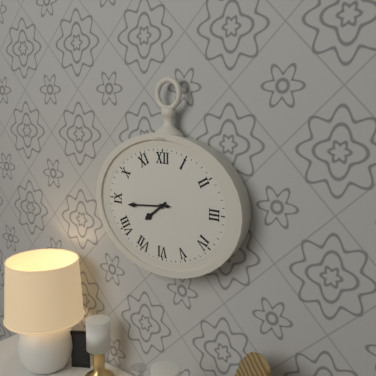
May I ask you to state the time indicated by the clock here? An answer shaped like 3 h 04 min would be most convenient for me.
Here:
7 h 44 min
